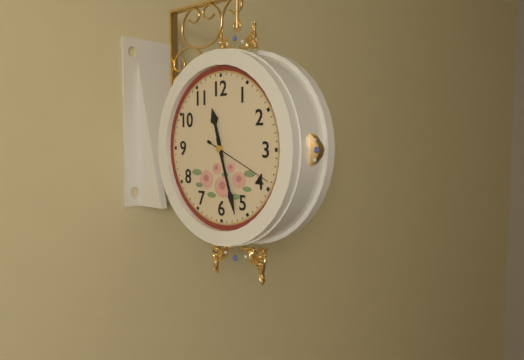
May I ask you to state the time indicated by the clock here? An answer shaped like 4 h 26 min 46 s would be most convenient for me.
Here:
11 h 27 min 19 s
